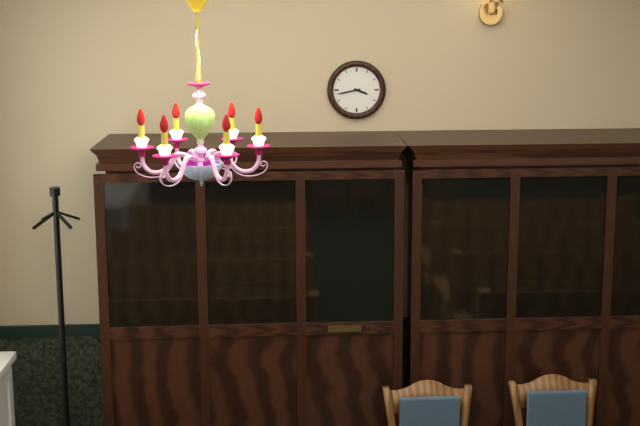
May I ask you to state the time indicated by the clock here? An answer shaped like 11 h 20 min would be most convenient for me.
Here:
3 h 43 min
